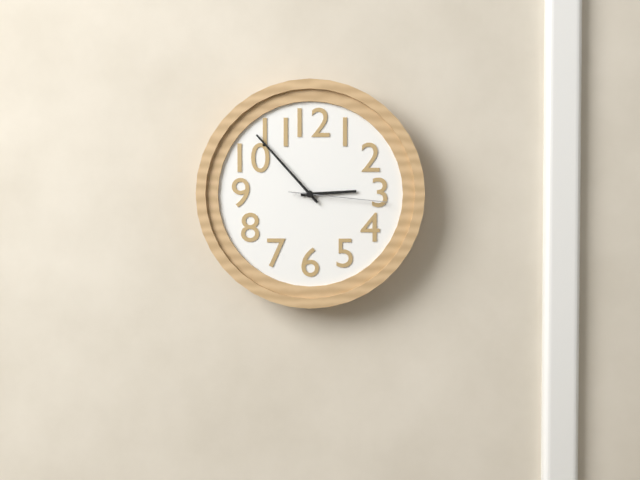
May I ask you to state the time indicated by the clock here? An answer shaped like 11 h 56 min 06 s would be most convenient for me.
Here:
2 h 53 min 16 s
